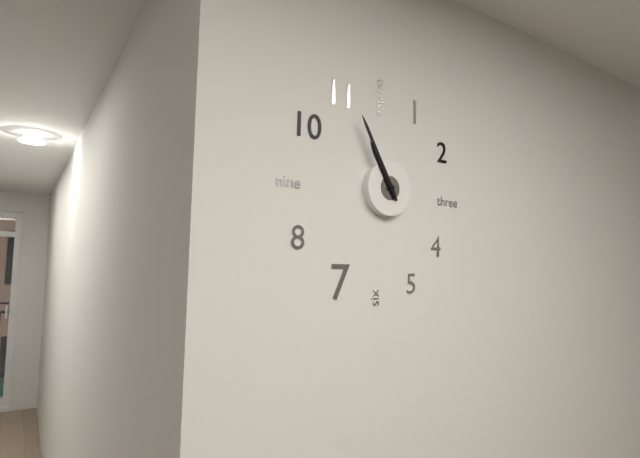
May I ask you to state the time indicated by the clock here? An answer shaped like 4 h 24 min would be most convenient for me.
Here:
10 h 55 min
